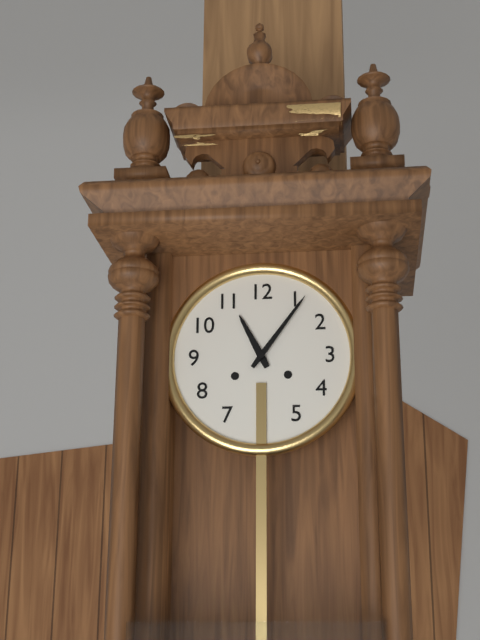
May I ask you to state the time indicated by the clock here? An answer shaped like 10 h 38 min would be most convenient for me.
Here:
11 h 06 min
